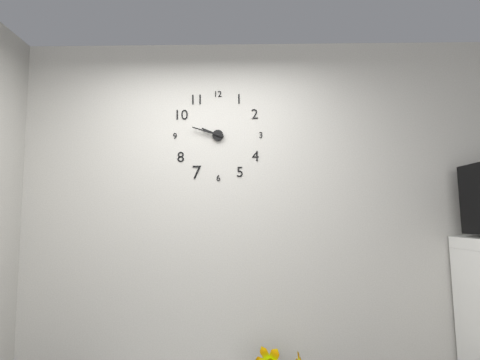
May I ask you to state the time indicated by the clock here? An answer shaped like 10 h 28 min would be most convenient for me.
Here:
9 h 48 min
